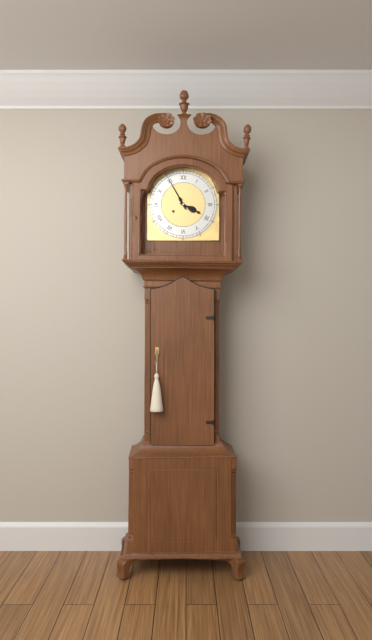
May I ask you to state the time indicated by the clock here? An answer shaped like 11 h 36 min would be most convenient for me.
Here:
3 h 55 min
